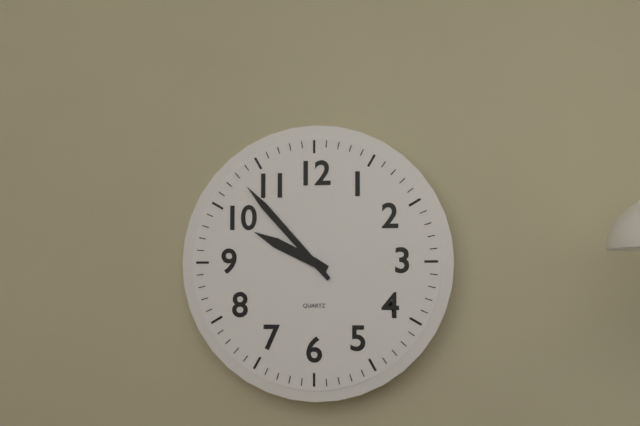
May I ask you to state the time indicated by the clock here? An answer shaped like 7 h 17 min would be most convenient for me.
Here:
9 h 53 min
